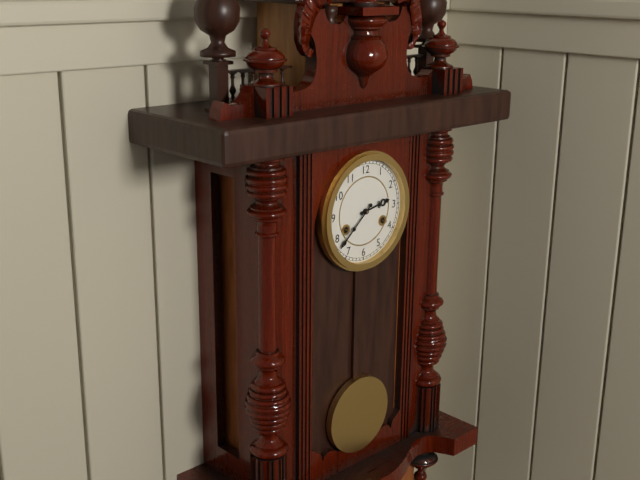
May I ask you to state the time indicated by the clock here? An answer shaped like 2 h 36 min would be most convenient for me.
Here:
2 h 38 min
